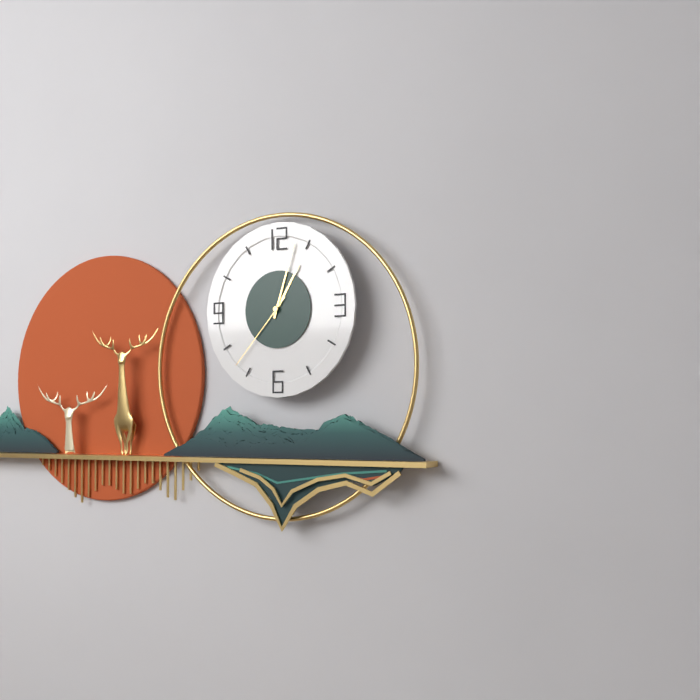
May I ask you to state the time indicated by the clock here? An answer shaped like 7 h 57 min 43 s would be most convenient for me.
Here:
1 h 03 min 37 s
